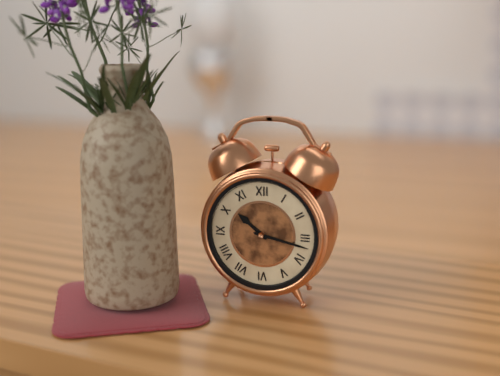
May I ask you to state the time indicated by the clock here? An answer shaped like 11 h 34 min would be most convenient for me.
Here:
10 h 17 min
